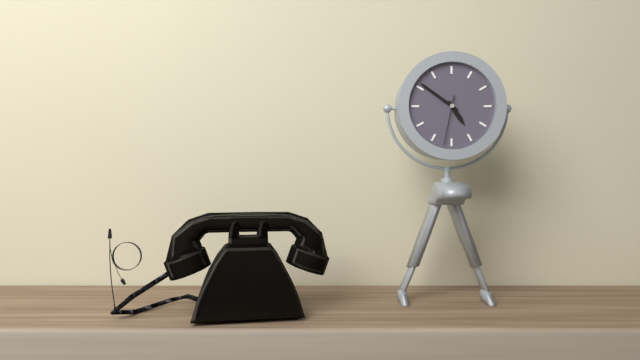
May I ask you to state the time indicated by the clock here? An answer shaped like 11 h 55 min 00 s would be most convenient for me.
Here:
4 h 51 min 32 s
